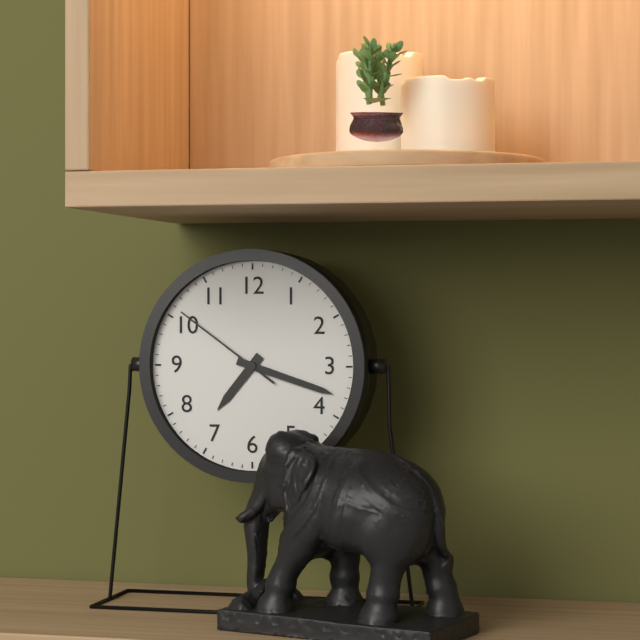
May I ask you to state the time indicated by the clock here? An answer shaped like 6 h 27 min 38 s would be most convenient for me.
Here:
7 h 18 min 51 s
